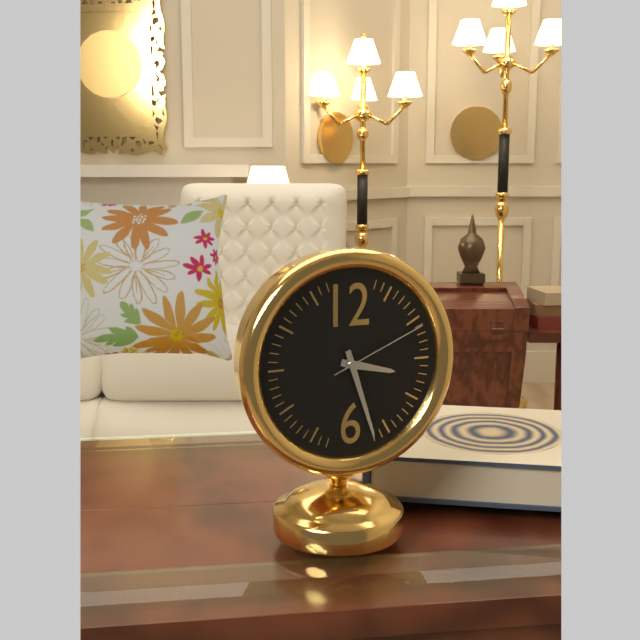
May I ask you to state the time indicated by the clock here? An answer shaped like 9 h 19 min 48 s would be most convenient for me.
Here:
3 h 27 min 11 s
